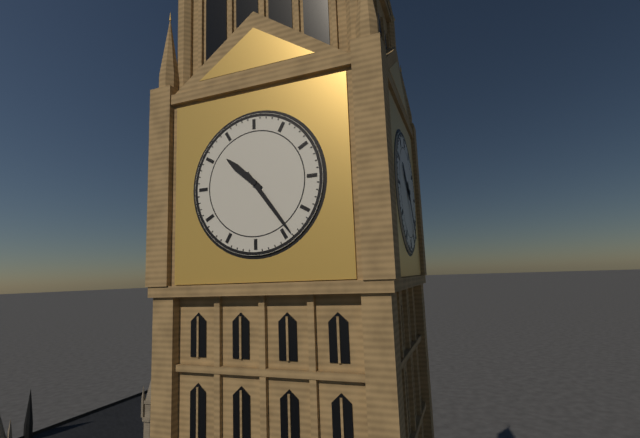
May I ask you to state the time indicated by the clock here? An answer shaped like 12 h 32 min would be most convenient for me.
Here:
10 h 24 min
